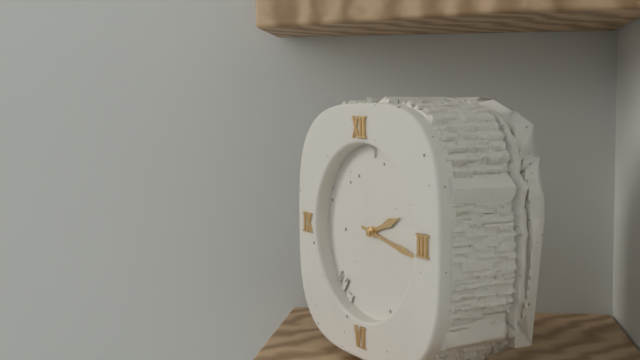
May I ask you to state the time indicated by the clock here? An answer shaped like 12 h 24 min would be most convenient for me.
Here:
2 h 17 min
